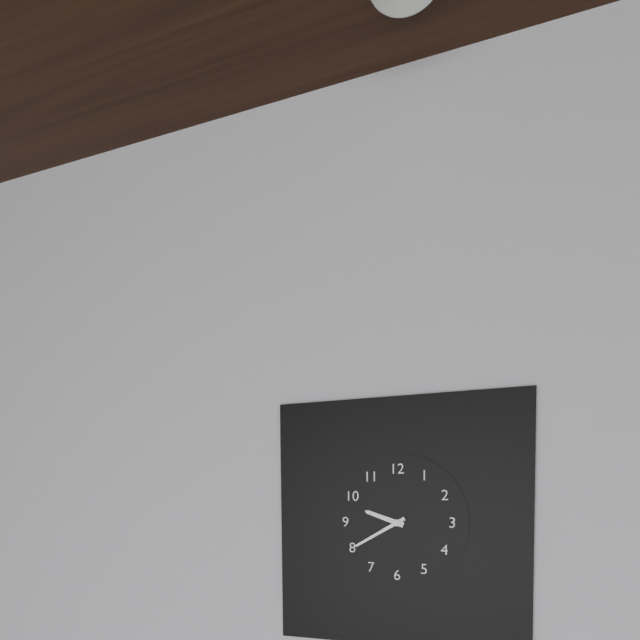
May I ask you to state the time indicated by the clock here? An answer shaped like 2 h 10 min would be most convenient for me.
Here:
9 h 40 min
